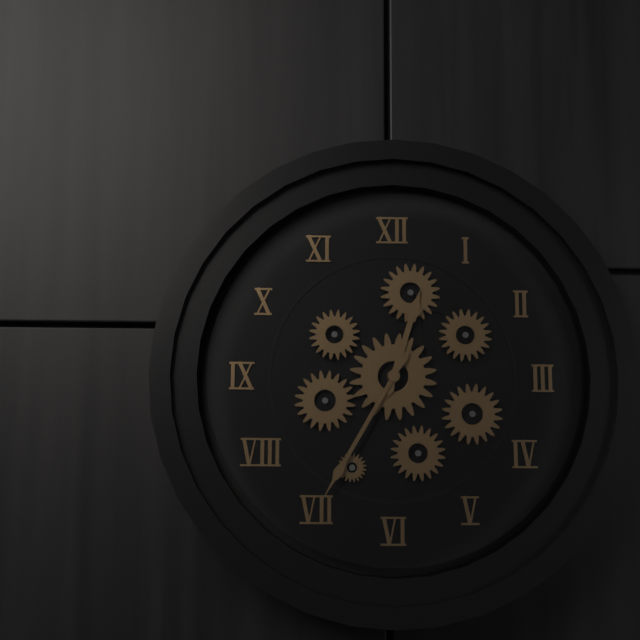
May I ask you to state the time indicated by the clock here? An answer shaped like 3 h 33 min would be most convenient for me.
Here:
12 h 35 min
